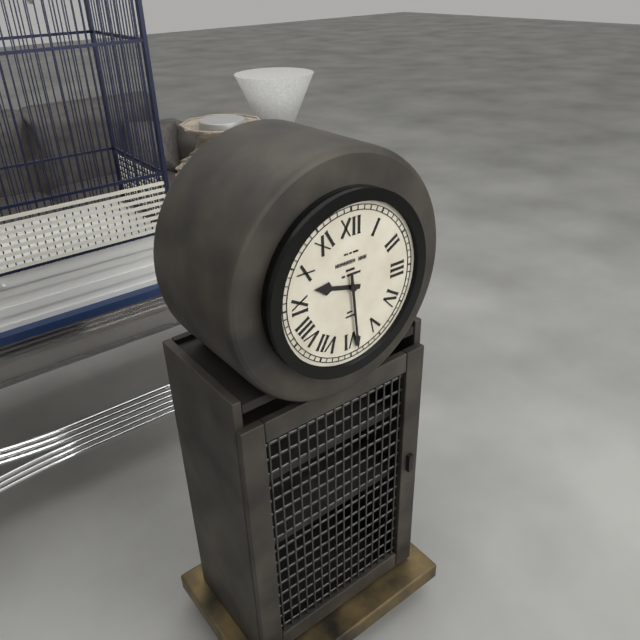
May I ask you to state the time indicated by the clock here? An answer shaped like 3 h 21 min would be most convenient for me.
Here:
9 h 29 min
